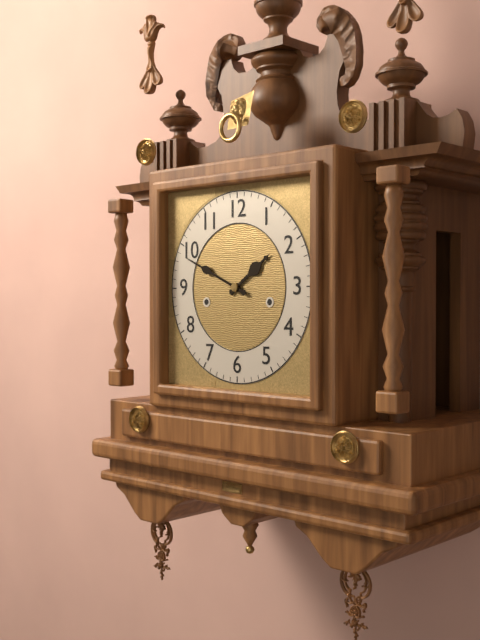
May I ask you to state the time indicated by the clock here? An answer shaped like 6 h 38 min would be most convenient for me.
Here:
1 h 49 min
